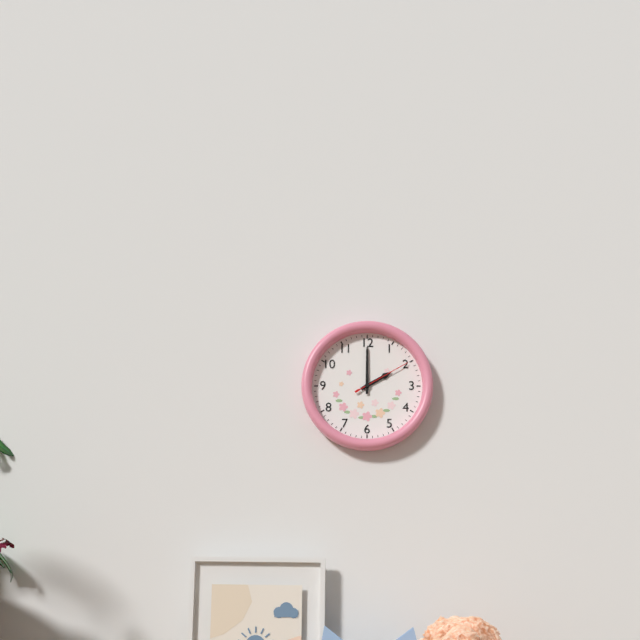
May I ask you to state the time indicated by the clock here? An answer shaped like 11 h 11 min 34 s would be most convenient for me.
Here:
2 h 00 min 10 s
